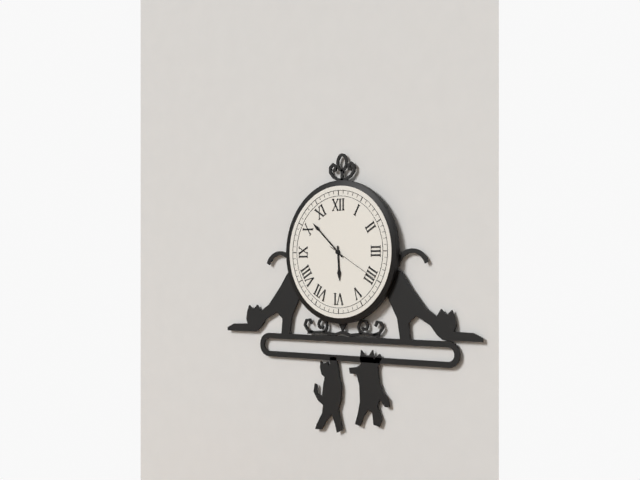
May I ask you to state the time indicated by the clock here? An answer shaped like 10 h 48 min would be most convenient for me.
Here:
5 h 52 min
